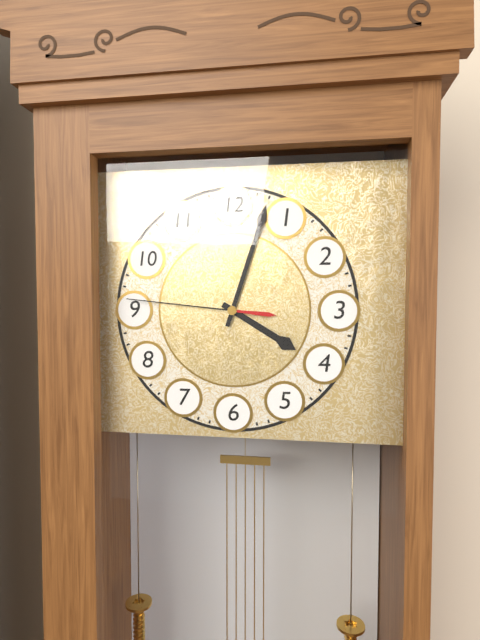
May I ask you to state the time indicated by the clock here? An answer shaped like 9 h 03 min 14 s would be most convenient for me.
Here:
4 h 03 min 46 s
